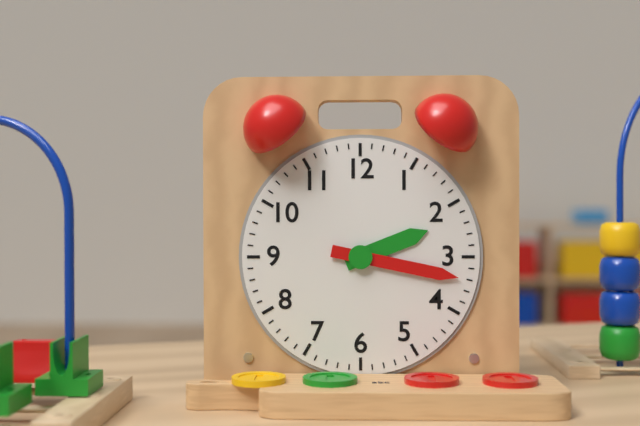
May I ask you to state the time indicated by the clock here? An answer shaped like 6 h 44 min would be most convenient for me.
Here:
2 h 17 min
